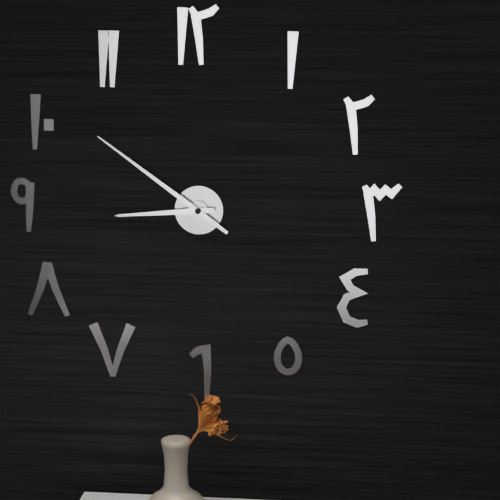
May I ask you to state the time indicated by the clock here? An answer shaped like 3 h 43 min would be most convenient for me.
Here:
8 h 51 min
